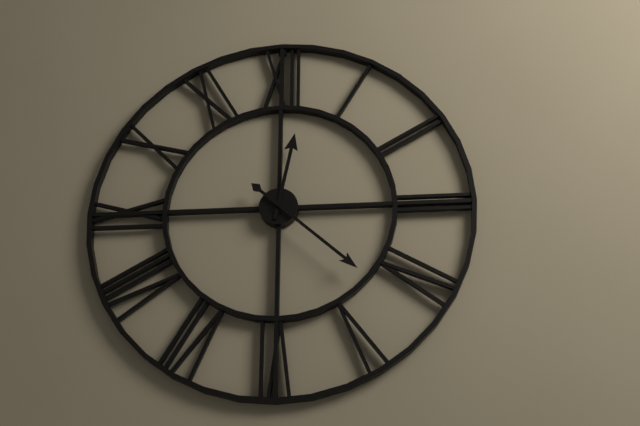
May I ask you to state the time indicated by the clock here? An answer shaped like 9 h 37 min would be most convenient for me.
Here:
12 h 22 min
